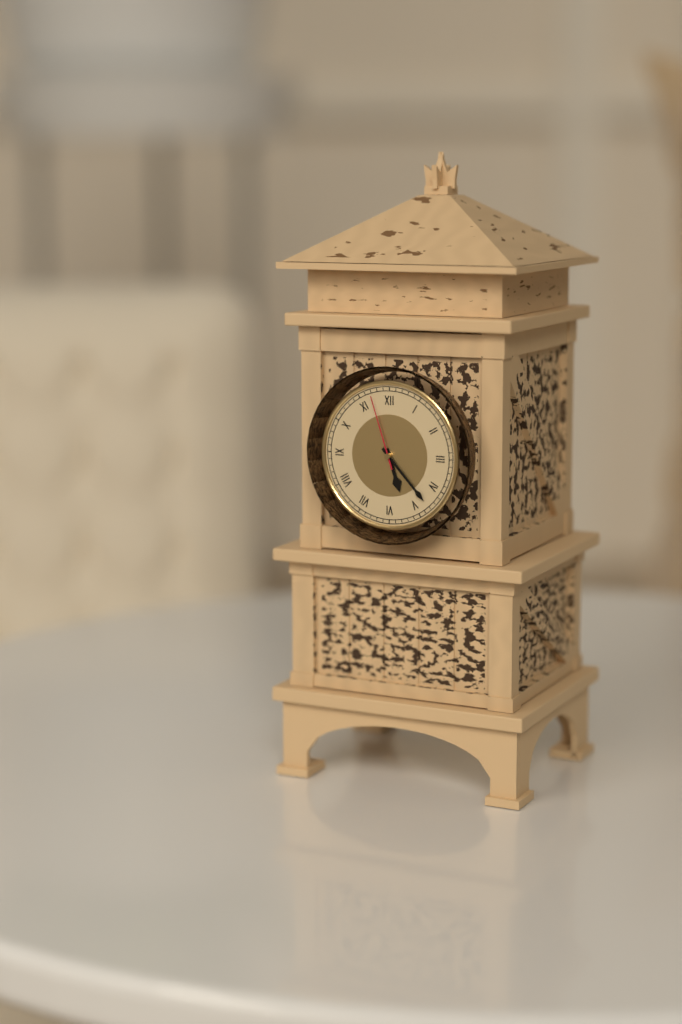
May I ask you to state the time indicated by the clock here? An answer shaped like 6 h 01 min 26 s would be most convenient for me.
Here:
5 h 23 min 57 s
